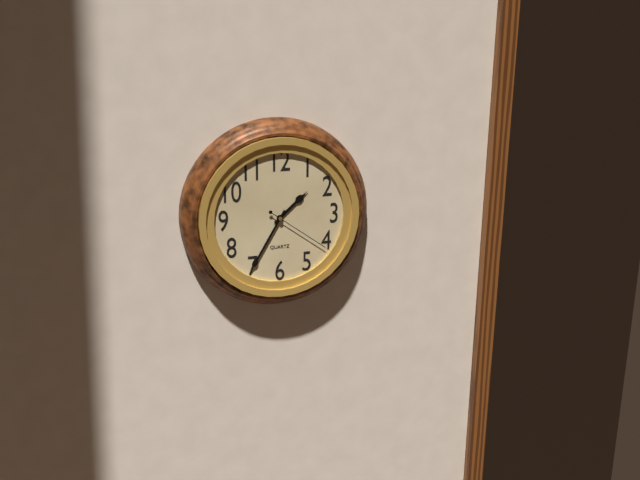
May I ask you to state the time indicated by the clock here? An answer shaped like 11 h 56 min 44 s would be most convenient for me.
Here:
1 h 35 min 21 s
